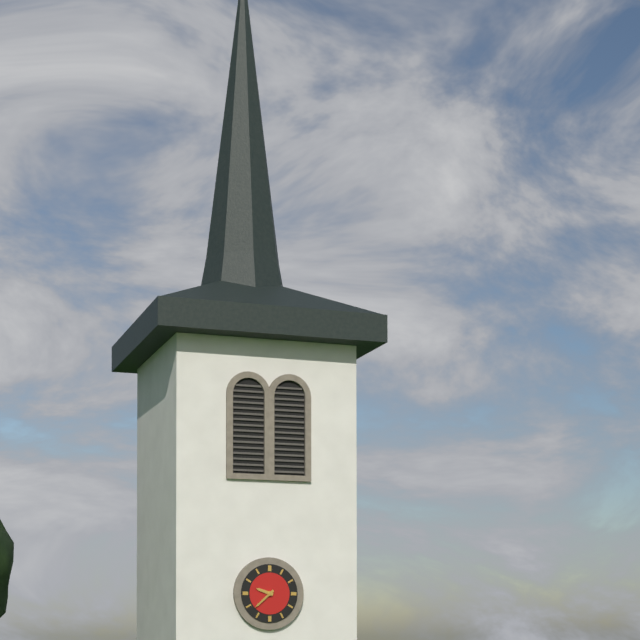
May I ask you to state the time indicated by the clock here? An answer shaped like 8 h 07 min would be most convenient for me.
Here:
9 h 38 min
